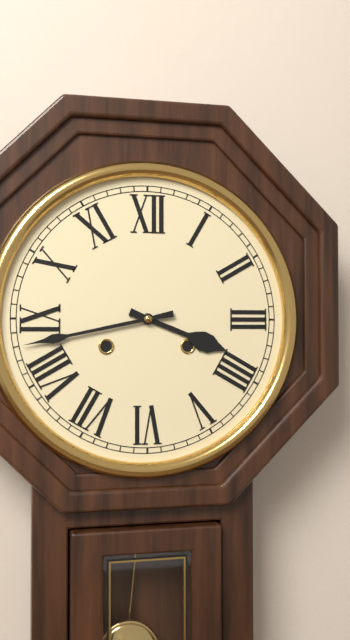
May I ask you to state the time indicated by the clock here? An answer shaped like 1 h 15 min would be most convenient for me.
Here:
3 h 43 min
